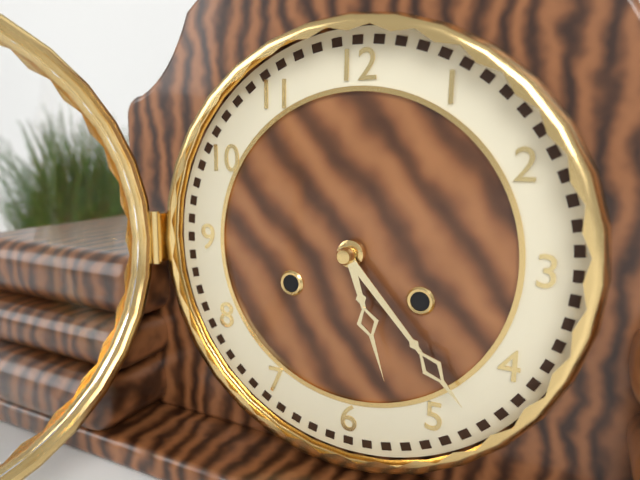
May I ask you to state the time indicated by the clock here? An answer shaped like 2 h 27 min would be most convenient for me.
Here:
5 h 23 min
